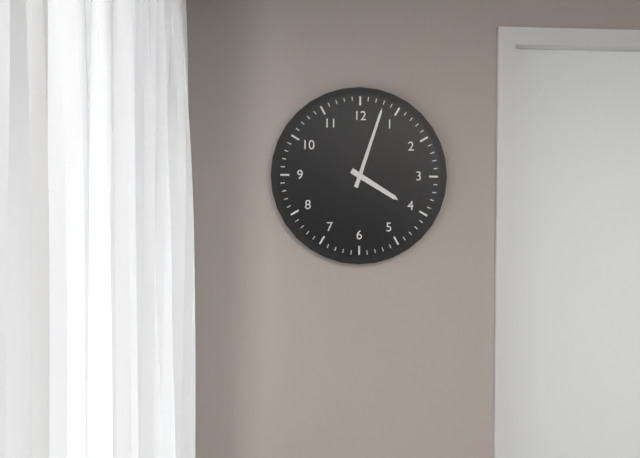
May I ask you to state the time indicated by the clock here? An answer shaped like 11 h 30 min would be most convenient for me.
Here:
4 h 03 min
